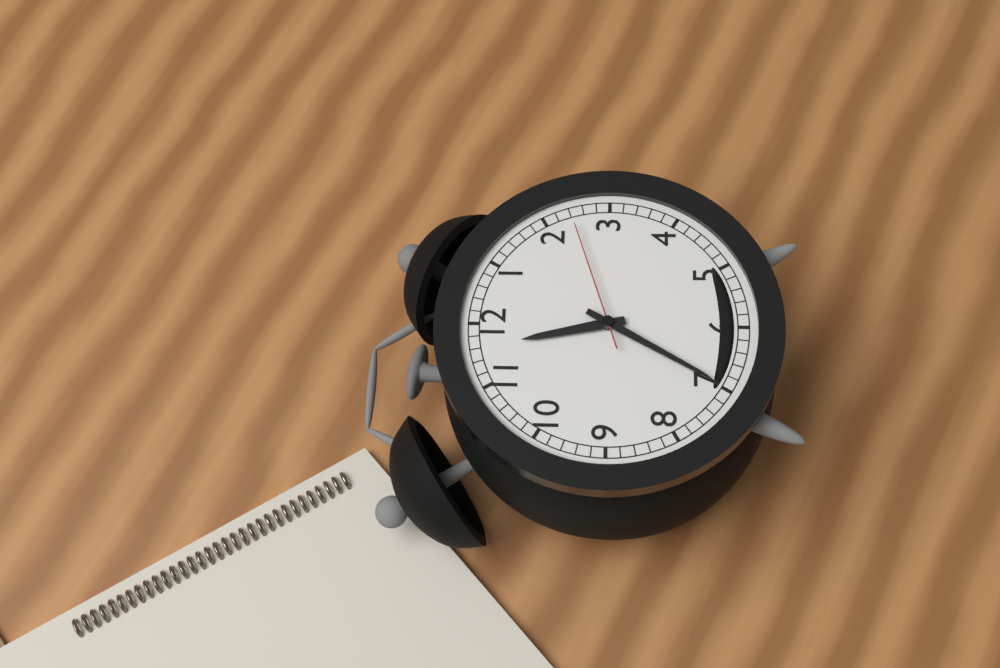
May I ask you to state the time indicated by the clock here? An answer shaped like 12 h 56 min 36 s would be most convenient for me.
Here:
11 h 35 min 12 s
